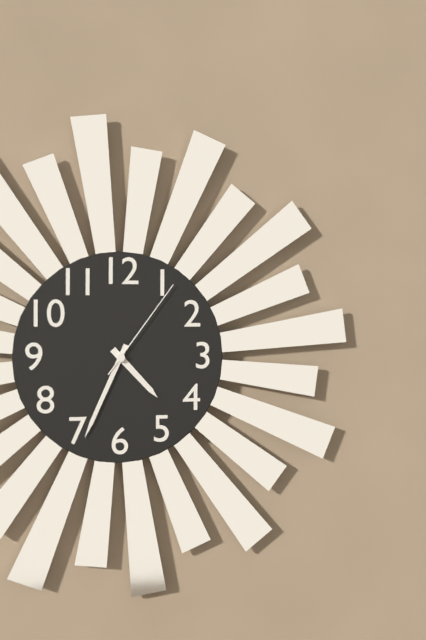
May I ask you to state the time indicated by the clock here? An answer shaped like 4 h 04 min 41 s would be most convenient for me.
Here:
4 h 34 min 06 s
